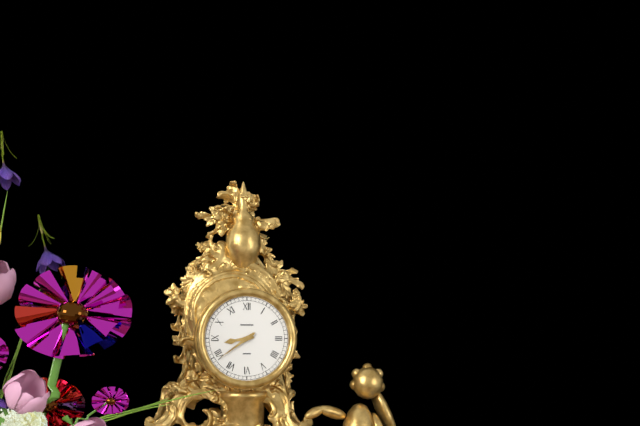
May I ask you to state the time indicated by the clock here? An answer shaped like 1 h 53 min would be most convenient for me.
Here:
8 h 39 min
